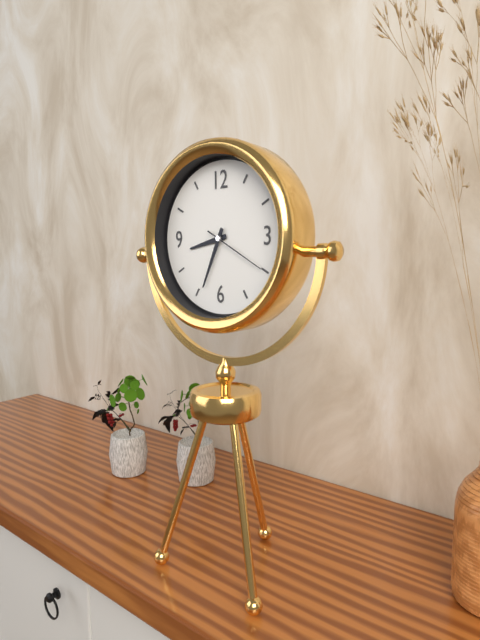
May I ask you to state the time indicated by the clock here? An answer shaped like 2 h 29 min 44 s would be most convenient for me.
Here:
8 h 34 min 20 s
